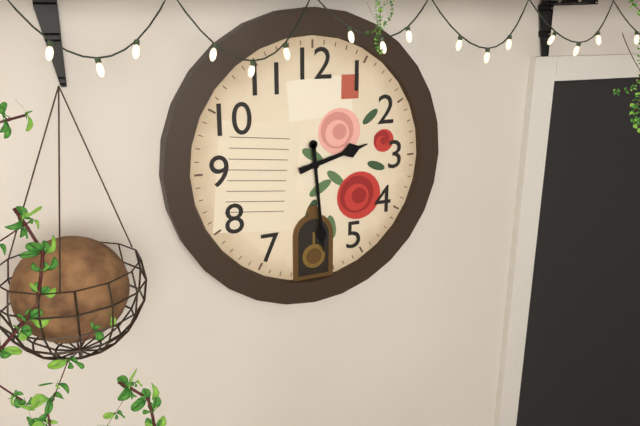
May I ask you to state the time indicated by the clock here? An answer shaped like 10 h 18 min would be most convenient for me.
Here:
2 h 29 min
